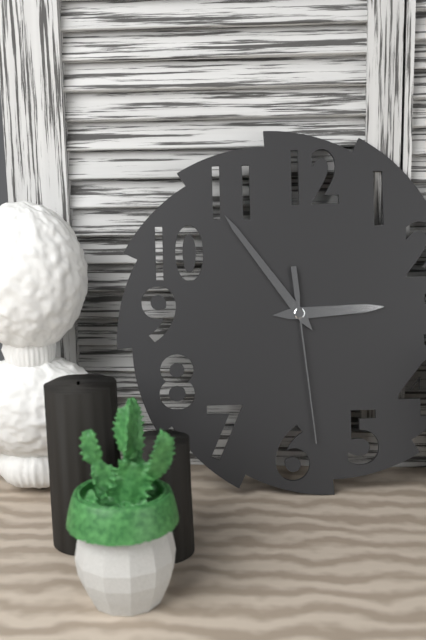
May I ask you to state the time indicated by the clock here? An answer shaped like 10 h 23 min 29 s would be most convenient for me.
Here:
2 h 54 min 29 s
